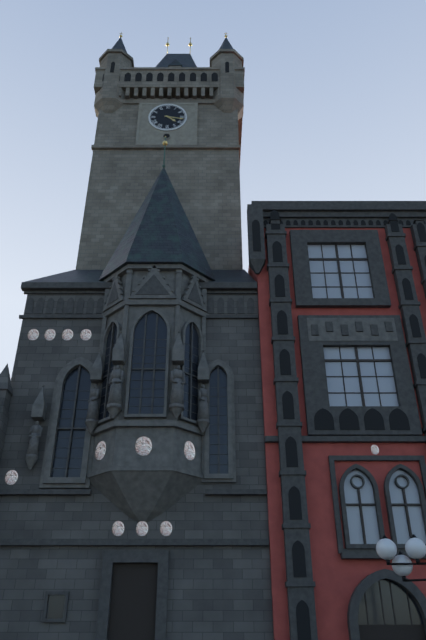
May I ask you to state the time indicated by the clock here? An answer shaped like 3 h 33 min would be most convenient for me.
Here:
4 h 17 min
